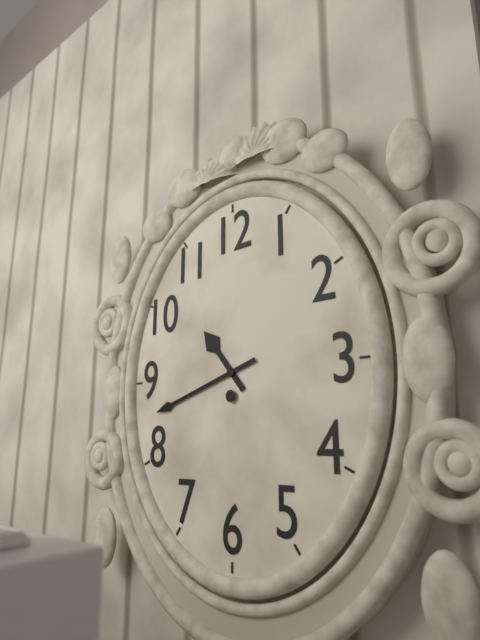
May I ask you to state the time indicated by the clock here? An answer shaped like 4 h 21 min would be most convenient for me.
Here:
10 h 42 min
